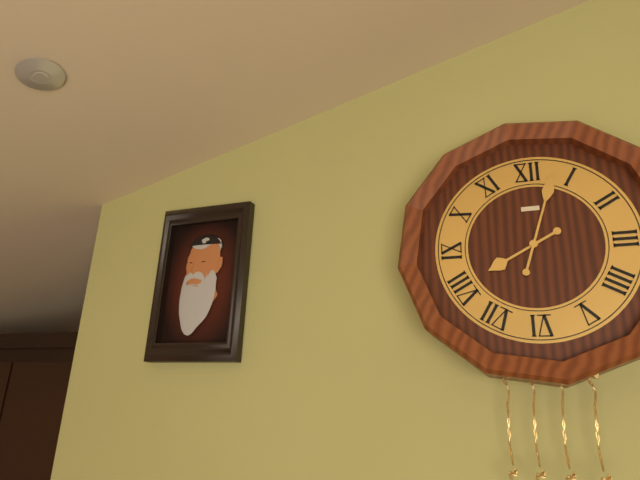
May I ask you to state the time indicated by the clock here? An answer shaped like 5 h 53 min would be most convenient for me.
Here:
8 h 03 min
